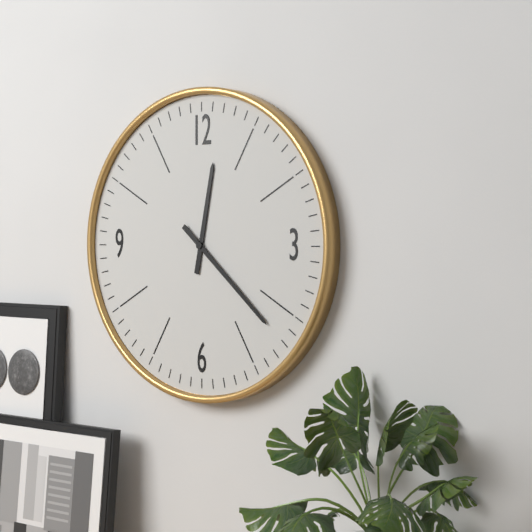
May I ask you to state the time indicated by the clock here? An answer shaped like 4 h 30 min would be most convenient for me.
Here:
12 h 22 min
